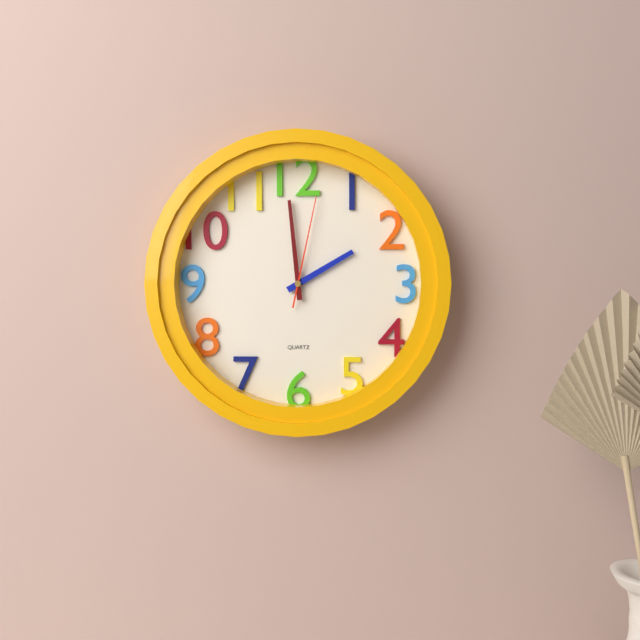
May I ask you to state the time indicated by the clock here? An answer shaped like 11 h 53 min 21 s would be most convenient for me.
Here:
1 h 59 min 02 s
